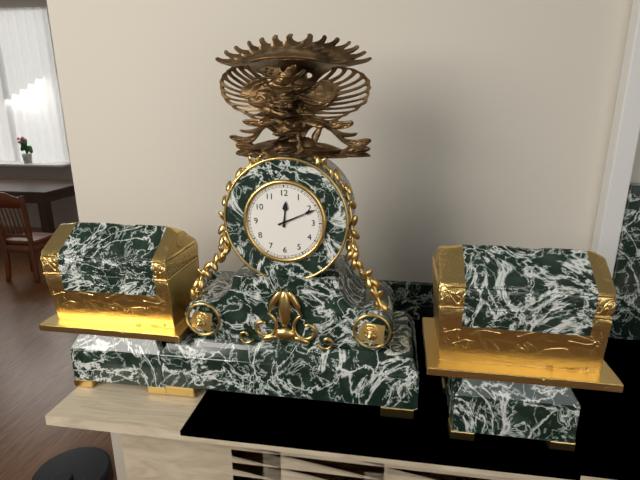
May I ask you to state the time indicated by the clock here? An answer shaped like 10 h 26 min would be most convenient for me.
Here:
12 h 11 min
